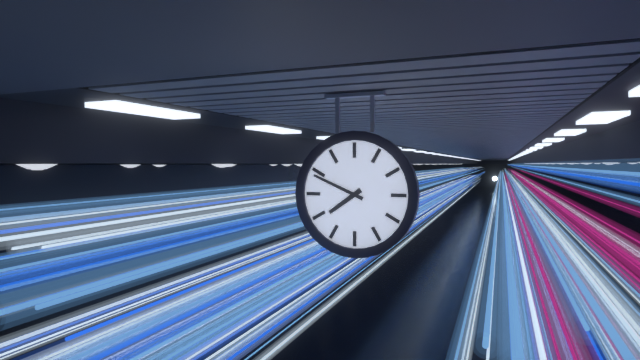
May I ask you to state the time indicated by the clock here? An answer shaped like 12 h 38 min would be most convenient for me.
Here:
7 h 49 min
